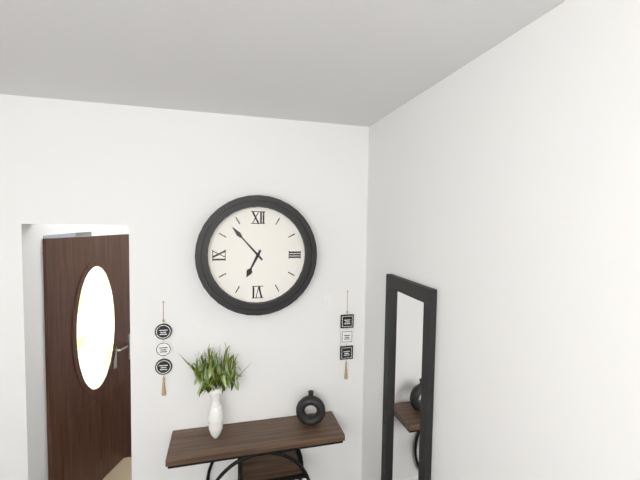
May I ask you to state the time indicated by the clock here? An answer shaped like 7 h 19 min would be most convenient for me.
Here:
6 h 53 min
